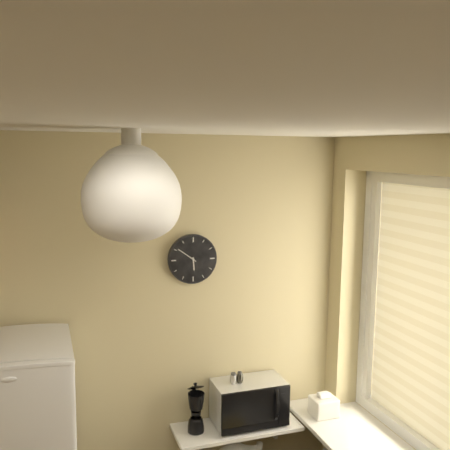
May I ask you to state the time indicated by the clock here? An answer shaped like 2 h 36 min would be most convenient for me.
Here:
5 h 51 min
